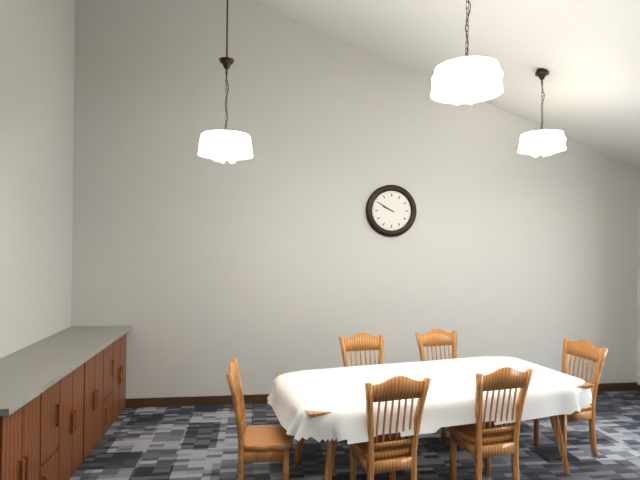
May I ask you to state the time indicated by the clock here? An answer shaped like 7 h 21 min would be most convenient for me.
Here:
9 h 50 min
